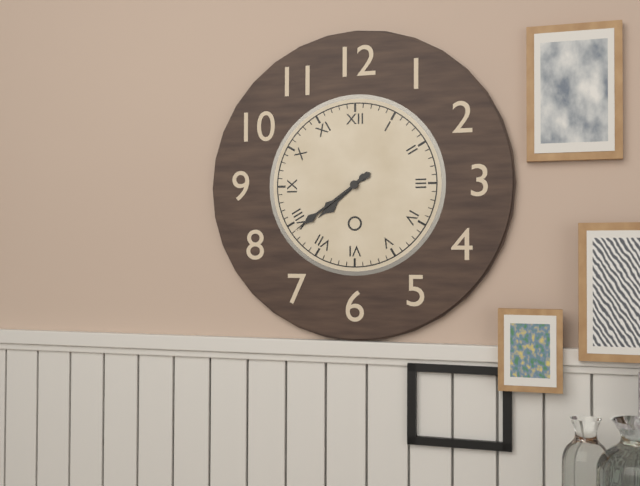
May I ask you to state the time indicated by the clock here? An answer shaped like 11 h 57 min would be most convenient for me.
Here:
7 h 39 min
